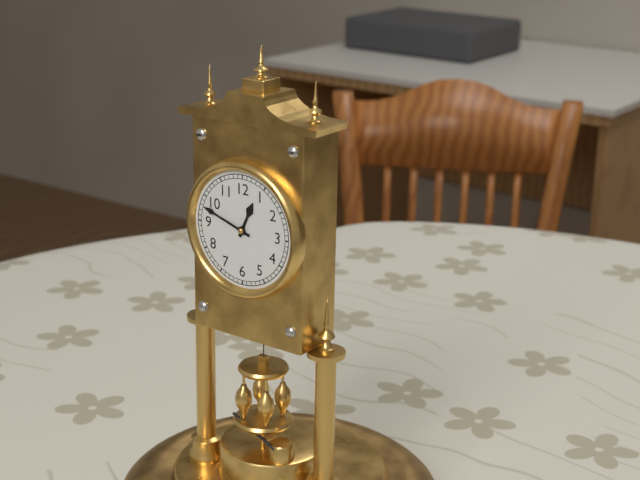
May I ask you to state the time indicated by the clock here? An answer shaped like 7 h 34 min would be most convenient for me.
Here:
12 h 48 min
